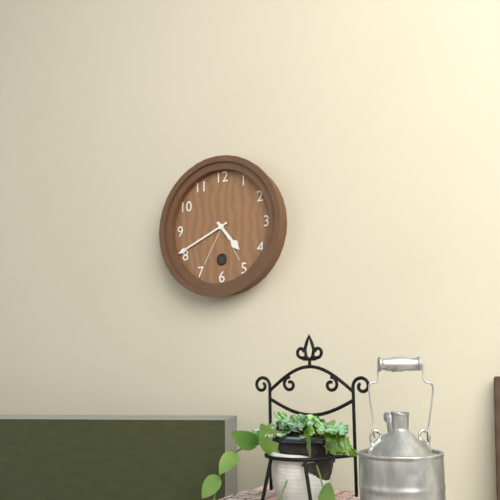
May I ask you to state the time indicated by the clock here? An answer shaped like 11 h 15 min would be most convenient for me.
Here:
4 h 41 min
